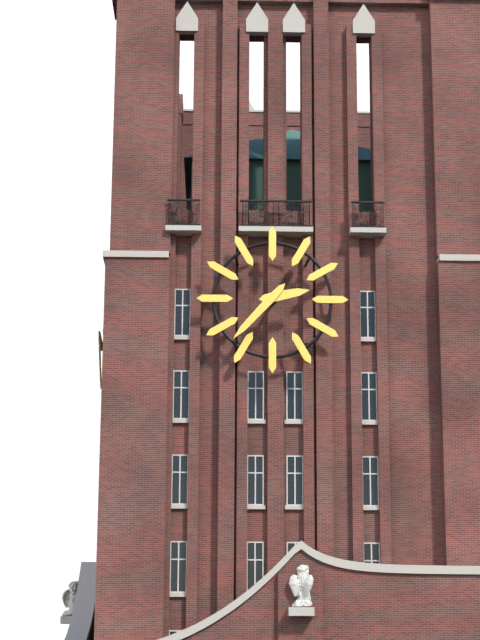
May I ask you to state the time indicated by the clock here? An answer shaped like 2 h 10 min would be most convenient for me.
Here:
2 h 37 min
